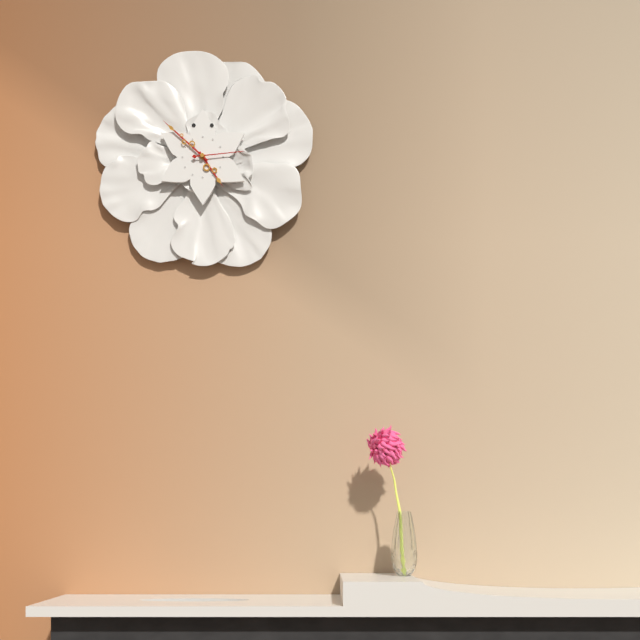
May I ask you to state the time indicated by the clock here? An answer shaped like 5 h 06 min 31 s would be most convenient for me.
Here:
4 h 52 min 14 s
